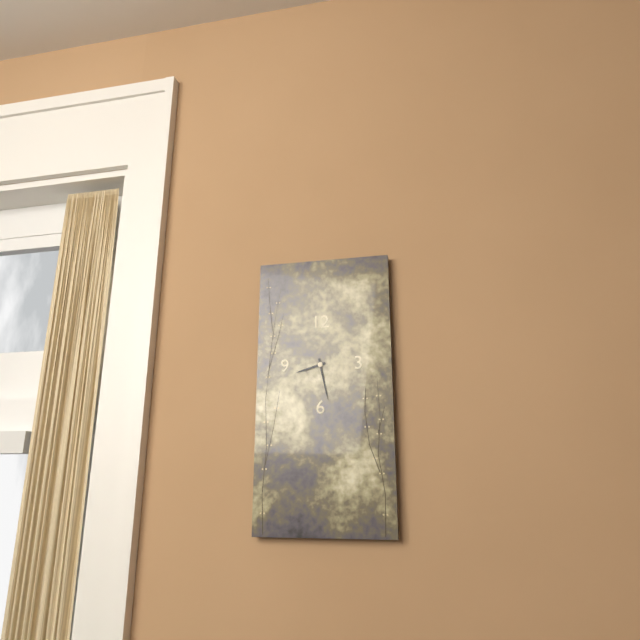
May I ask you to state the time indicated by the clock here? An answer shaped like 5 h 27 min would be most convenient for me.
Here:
8 h 28 min
